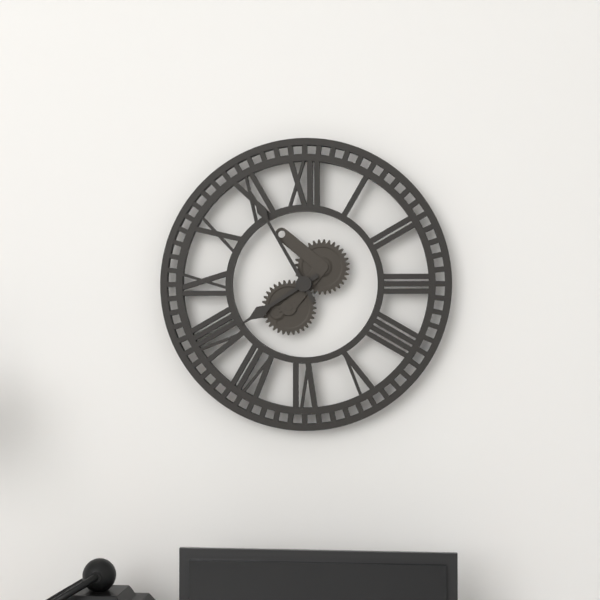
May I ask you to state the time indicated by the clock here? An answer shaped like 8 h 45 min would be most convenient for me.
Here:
7 h 55 min
